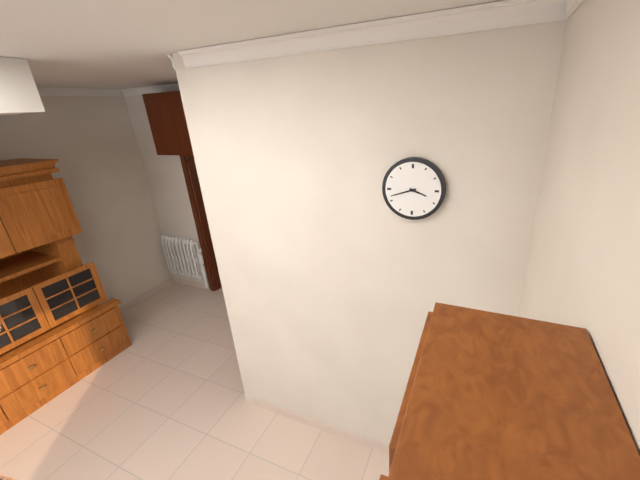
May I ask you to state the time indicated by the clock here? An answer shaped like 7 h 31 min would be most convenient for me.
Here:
3 h 42 min
